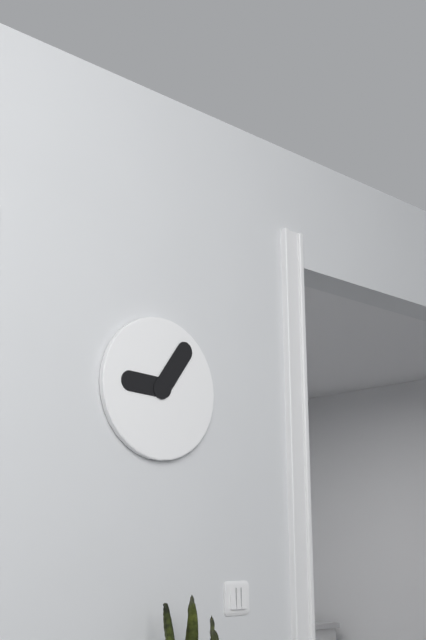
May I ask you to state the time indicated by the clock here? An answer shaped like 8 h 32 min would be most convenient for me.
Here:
9 h 06 min
